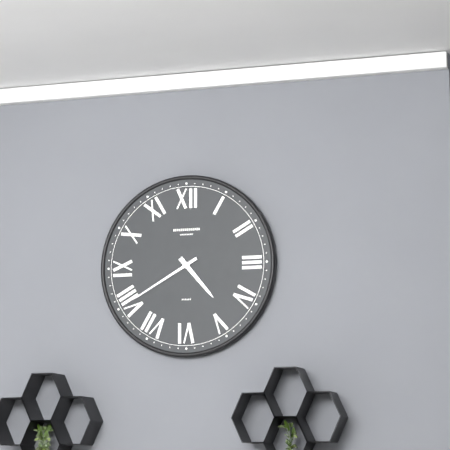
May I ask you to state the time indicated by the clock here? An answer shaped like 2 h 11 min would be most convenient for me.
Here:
4 h 40 min
